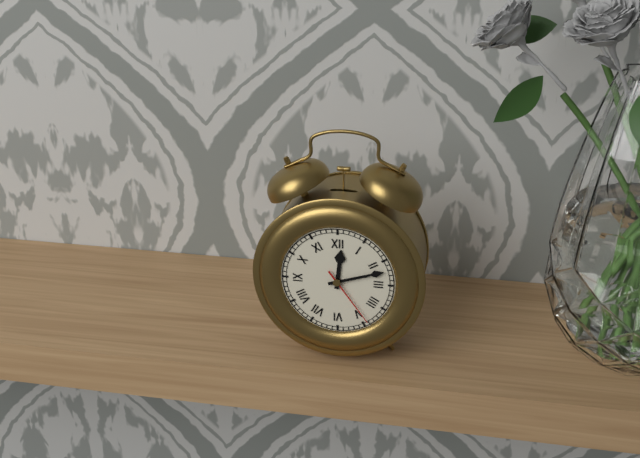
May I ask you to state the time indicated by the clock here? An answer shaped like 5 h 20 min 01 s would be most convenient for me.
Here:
12 h 12 min 24 s
